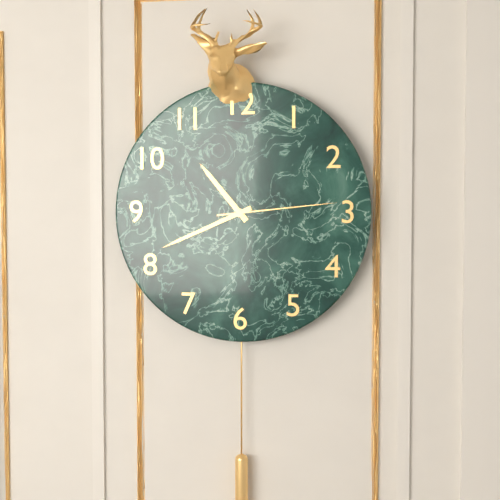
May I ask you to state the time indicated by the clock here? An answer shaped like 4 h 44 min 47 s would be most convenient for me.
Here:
10 h 41 min 14 s
